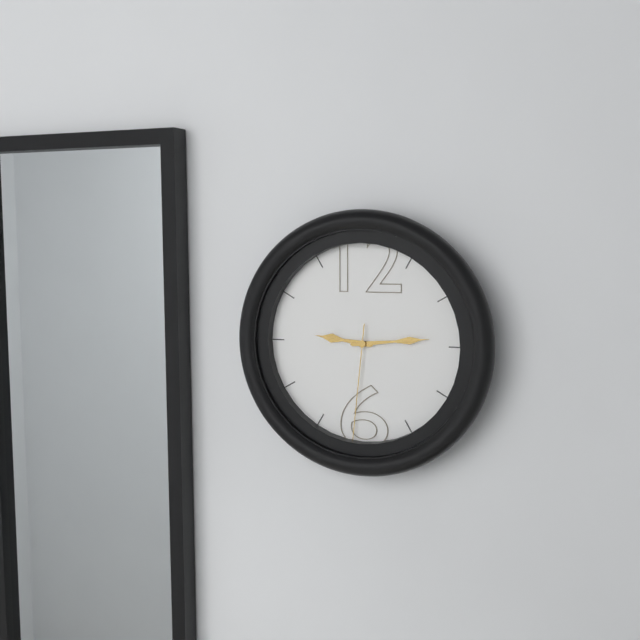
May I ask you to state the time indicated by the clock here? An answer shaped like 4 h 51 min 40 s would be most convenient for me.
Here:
9 h 14 min 31 s
